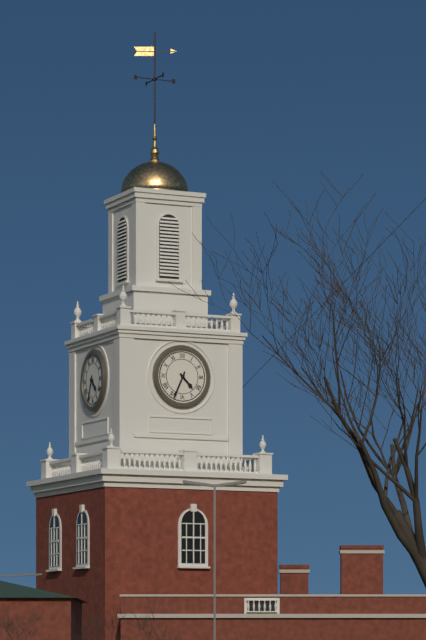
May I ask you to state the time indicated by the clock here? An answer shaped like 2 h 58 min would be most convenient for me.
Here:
4 h 34 min
